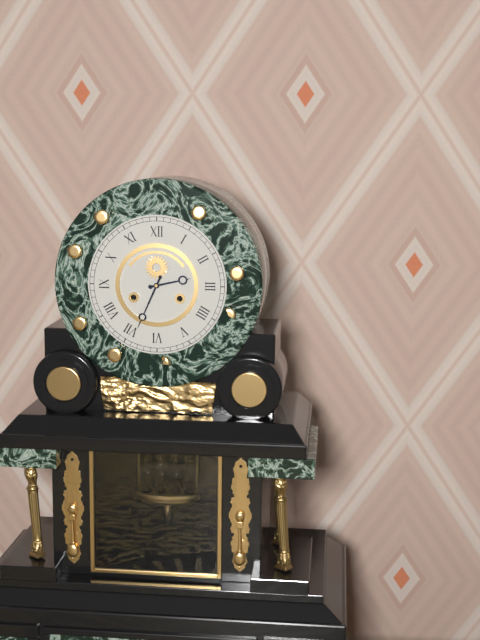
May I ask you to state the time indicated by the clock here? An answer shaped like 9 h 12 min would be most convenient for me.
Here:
2 h 34 min
